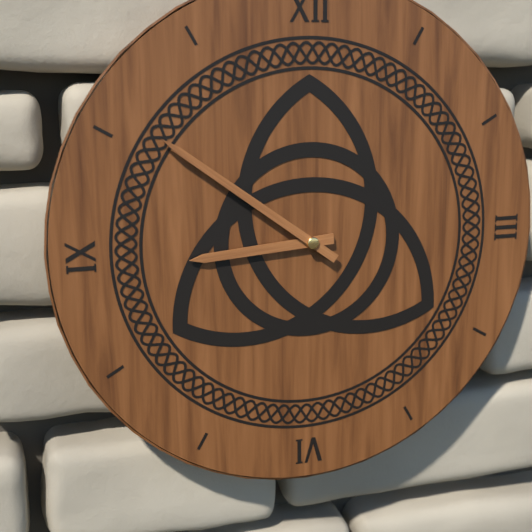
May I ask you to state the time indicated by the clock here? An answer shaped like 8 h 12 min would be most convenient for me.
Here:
8 h 51 min
